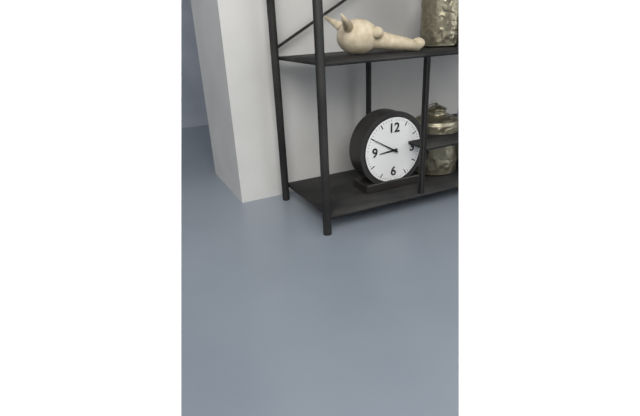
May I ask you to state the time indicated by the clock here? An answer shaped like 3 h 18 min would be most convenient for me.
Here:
8 h 50 min
